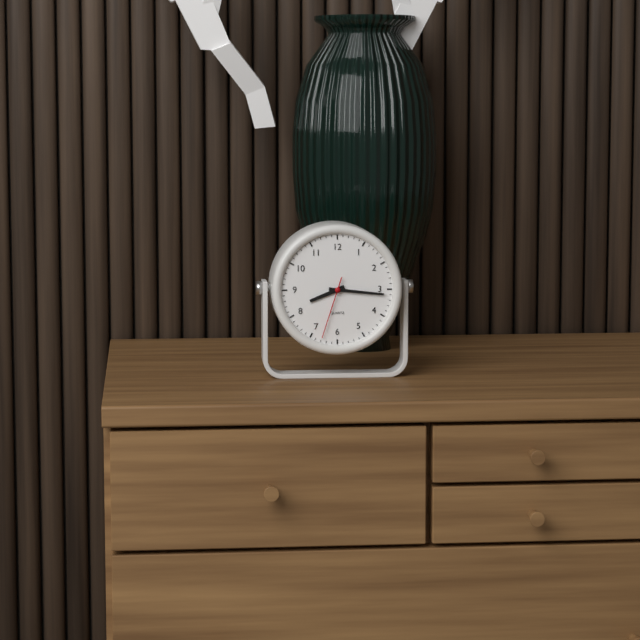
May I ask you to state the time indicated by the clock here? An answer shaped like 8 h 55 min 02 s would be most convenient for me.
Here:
8 h 16 min 33 s
